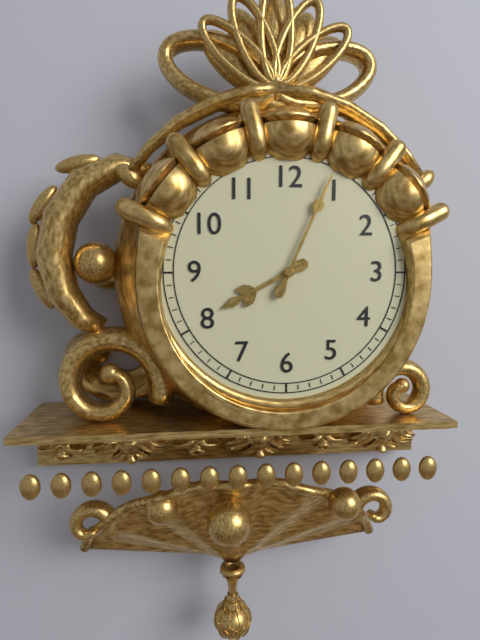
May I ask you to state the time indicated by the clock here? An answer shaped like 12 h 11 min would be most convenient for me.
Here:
8 h 04 min
